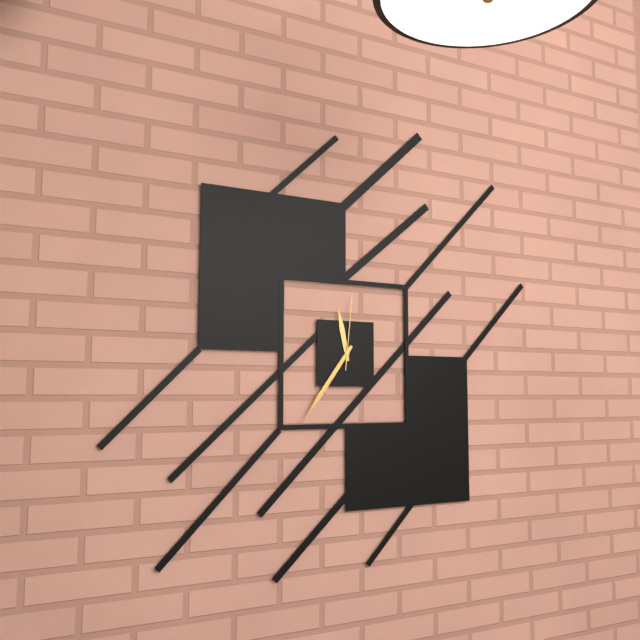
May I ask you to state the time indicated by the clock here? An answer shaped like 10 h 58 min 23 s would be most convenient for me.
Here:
11 h 36 min 01 s
